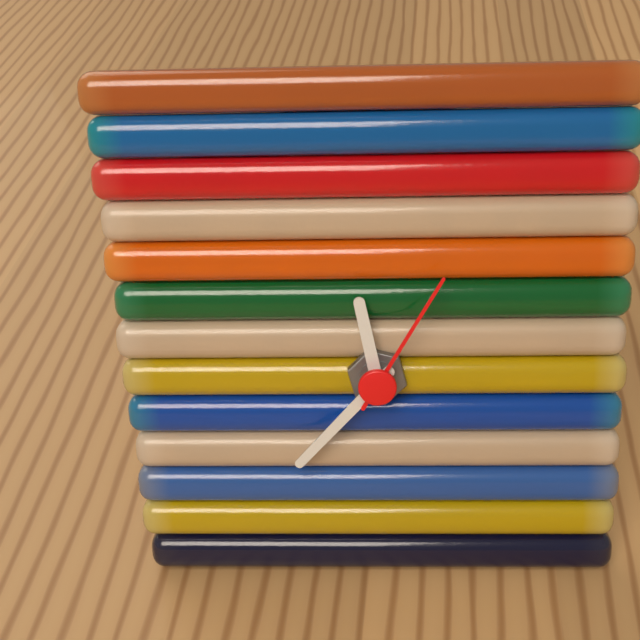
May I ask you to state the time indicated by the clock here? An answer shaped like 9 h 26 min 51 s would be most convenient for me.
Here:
11 h 37 min 05 s
